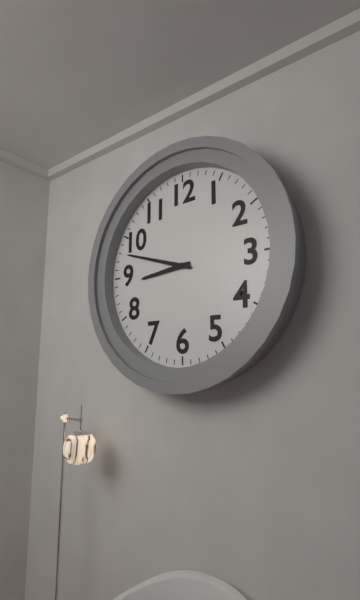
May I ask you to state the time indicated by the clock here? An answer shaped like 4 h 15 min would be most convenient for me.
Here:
8 h 48 min
